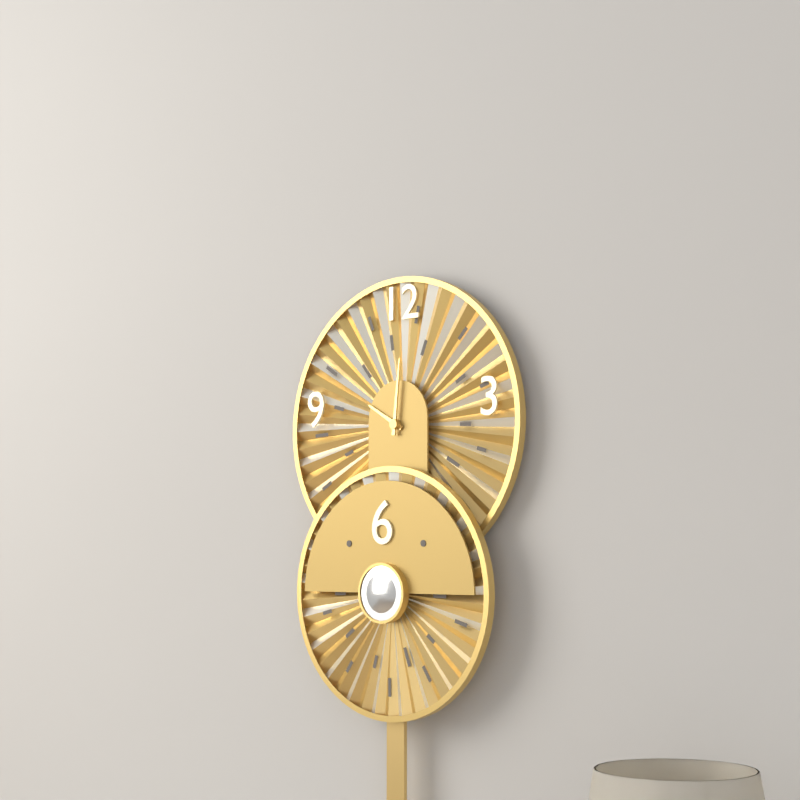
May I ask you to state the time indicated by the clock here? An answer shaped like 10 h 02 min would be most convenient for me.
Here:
10 h 01 min
